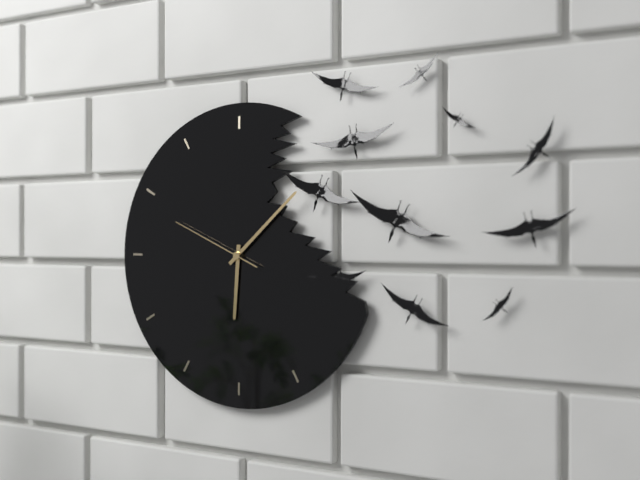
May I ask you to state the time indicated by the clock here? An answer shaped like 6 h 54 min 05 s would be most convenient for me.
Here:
6 h 08 min 49 s
